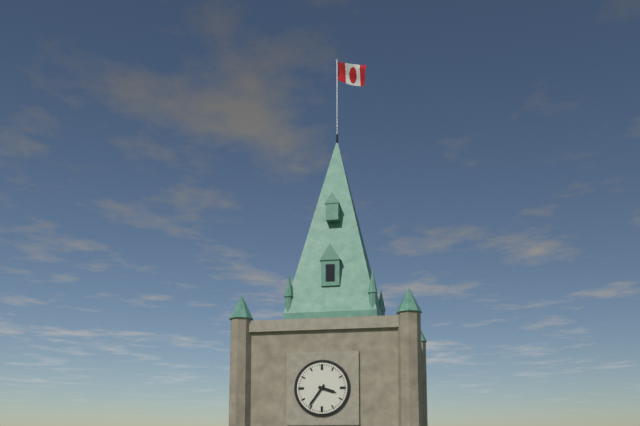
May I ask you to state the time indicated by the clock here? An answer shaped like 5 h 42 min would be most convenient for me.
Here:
3 h 36 min
